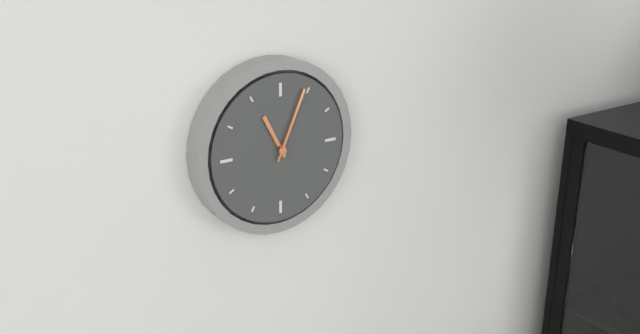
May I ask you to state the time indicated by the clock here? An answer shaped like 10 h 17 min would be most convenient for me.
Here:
11 h 04 min
